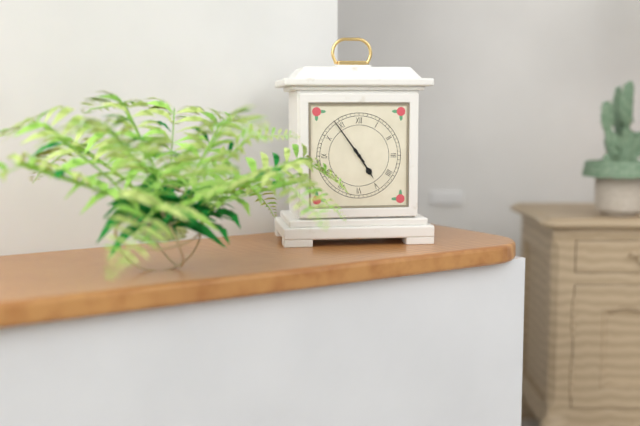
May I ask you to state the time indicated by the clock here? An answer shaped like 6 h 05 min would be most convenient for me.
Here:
4 h 54 min
